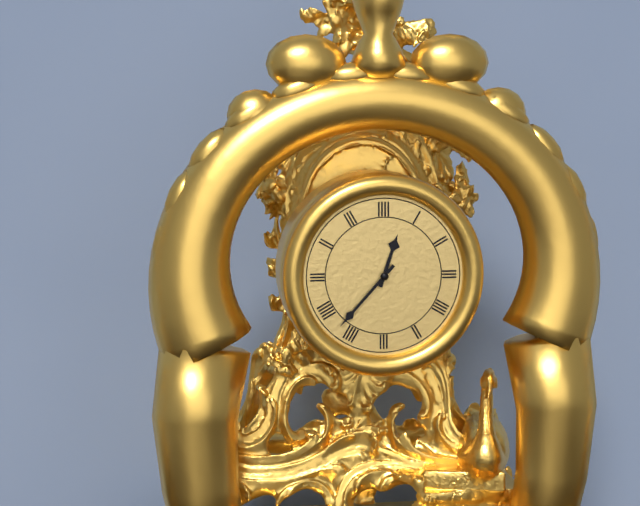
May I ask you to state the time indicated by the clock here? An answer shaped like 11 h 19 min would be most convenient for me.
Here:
12 h 37 min
